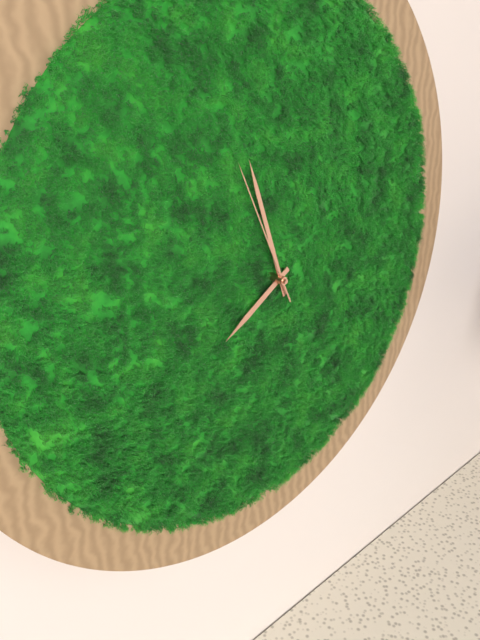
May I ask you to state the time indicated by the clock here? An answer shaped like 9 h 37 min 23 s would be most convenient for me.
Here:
7 h 57 min 56 s
